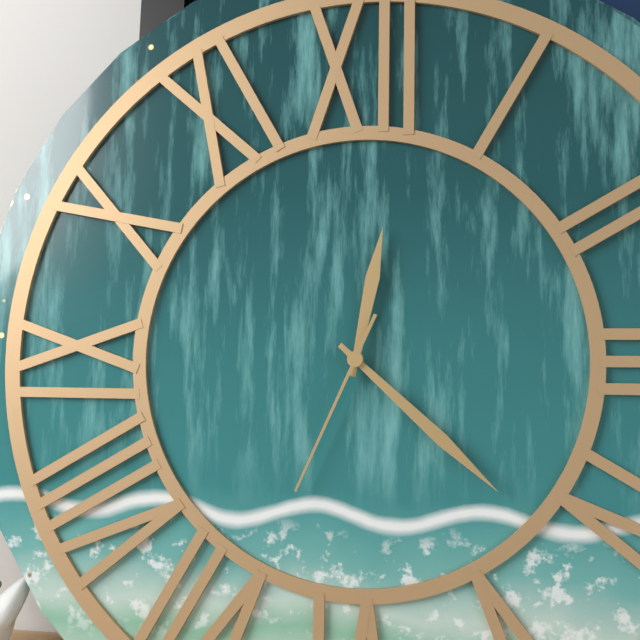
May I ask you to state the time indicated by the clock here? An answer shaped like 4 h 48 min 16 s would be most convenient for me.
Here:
12 h 22 min 34 s
